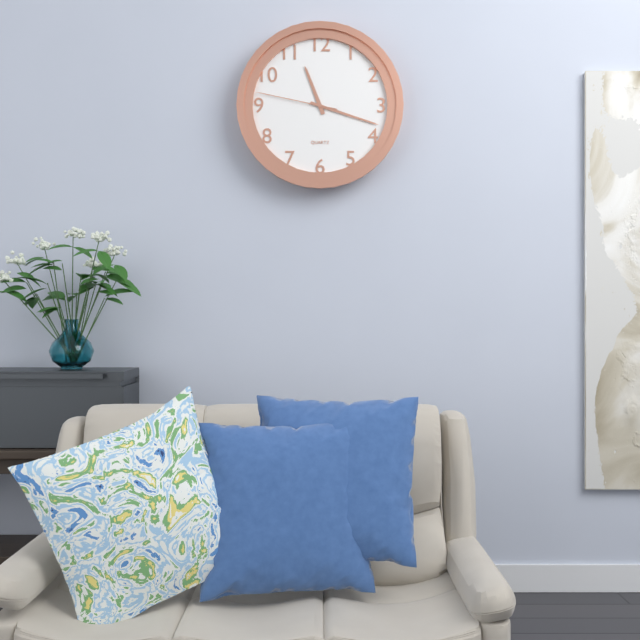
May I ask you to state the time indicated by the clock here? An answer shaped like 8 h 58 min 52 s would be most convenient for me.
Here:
11 h 18 min 47 s
